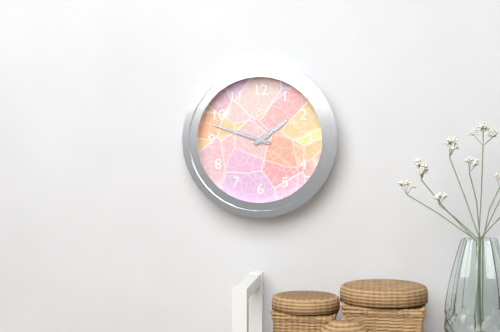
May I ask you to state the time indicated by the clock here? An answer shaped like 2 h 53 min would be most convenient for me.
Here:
1 h 48 min
